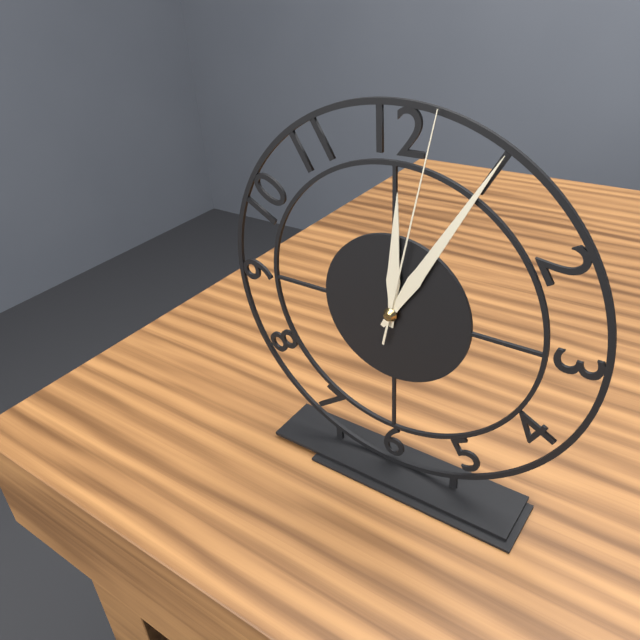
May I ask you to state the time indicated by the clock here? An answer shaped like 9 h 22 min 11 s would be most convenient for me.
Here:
12 h 05 min 02 s
